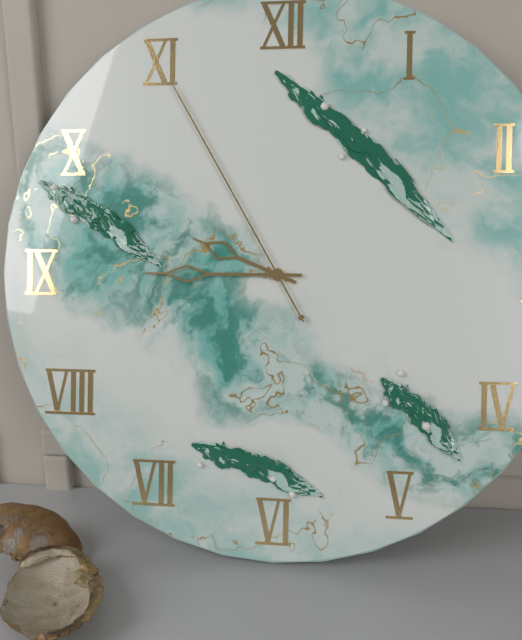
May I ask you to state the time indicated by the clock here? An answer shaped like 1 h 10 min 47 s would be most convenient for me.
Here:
9 h 45 min 55 s
